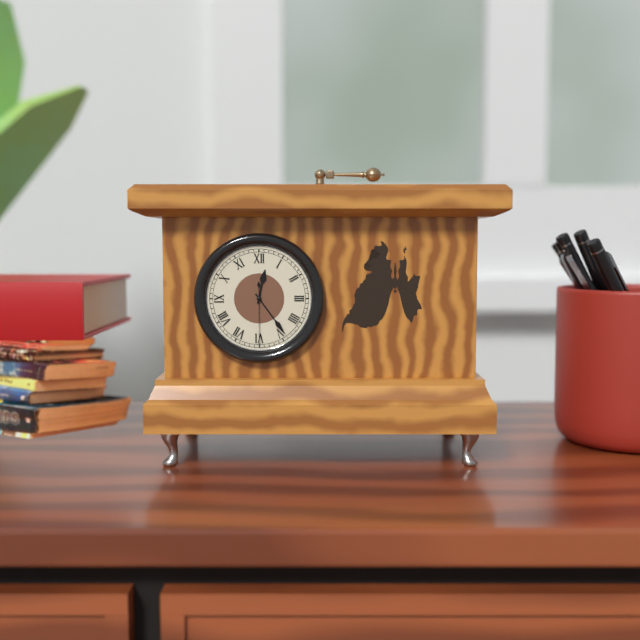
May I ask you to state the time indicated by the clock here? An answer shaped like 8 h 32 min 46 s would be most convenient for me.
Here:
12 h 24 min 30 s
